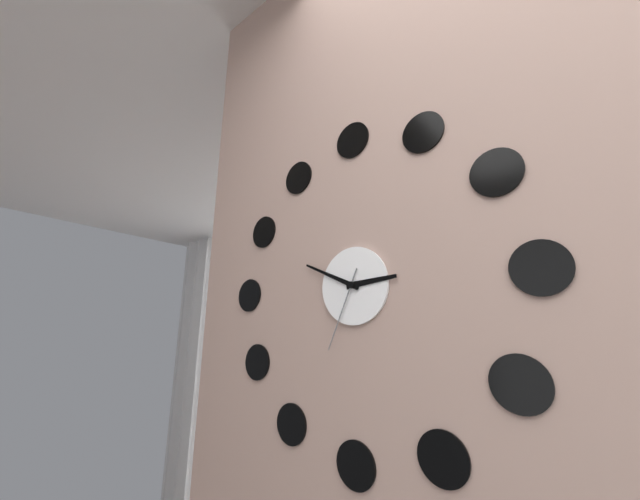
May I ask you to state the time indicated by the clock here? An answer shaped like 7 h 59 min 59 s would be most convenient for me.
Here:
2 h 49 min 34 s
